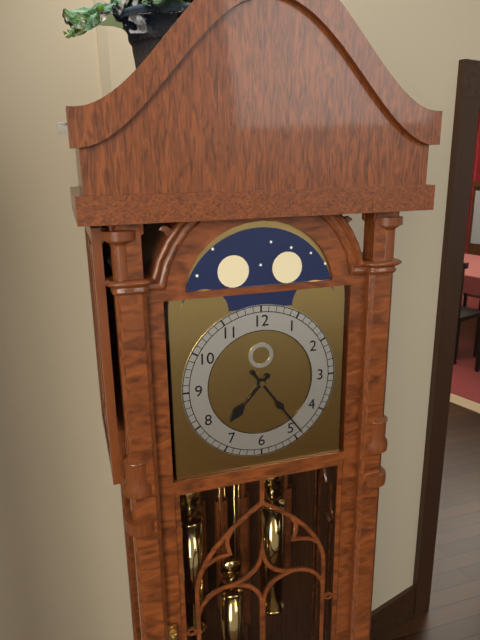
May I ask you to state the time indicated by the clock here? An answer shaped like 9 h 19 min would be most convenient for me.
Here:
7 h 24 min
